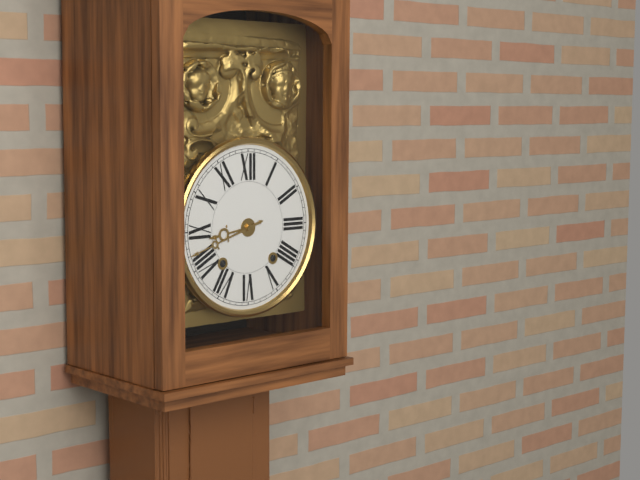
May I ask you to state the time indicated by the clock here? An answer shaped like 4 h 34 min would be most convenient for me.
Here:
8 h 42 min
